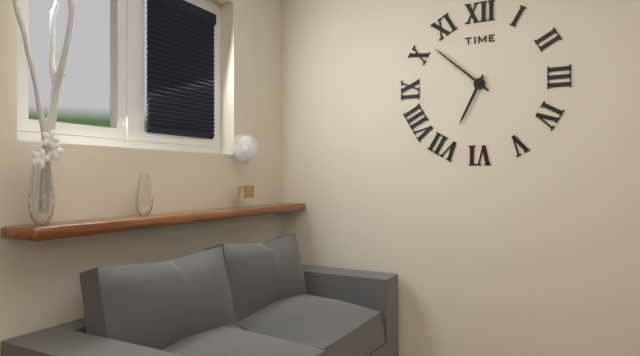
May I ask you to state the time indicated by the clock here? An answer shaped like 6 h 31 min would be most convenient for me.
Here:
6 h 52 min
